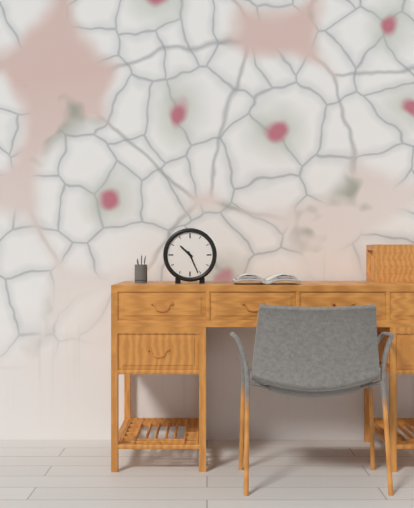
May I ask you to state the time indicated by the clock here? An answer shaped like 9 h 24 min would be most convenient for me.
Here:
10 h 26 min
